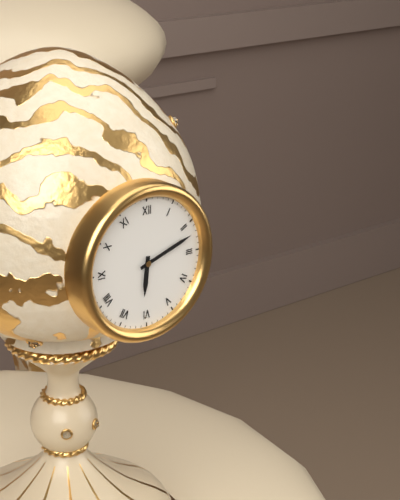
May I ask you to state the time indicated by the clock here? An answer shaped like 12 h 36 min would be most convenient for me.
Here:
6 h 12 min
